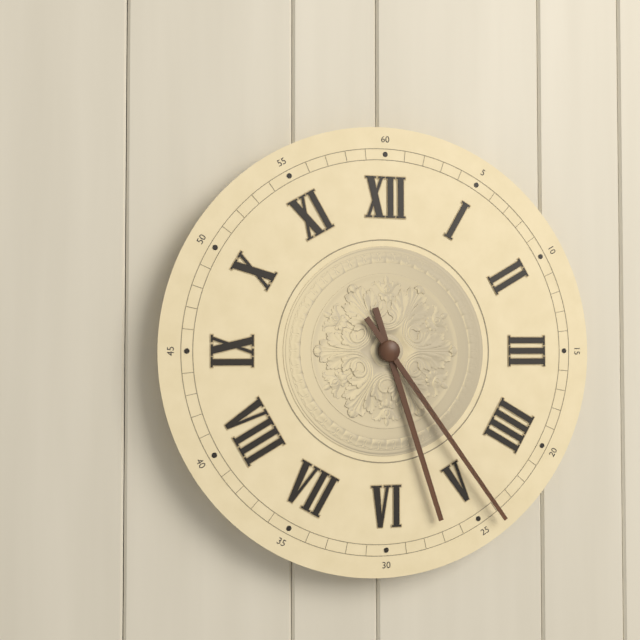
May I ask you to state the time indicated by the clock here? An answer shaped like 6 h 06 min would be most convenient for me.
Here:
5 h 24 min
